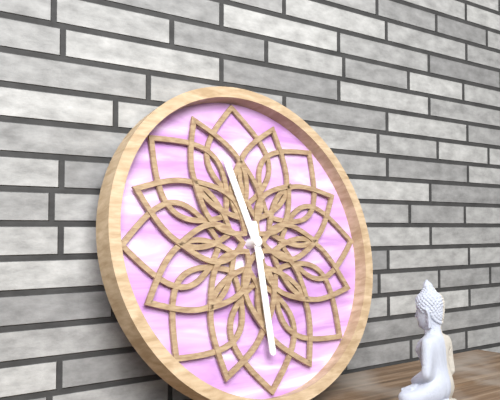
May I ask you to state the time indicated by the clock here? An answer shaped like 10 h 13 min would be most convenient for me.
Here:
11 h 30 min
